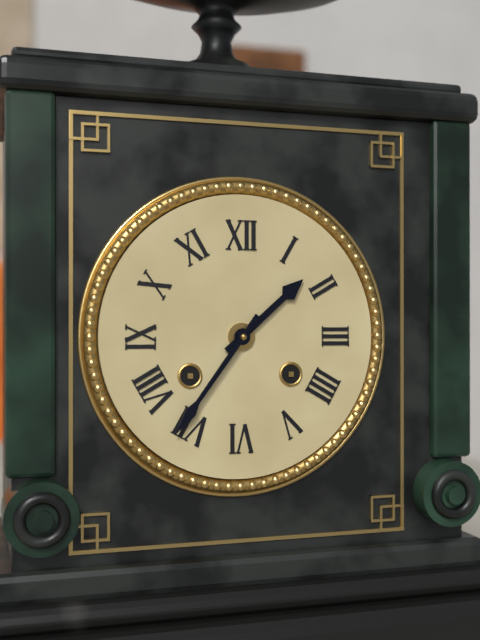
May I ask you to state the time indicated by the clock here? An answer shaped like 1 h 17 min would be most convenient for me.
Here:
1 h 36 min
